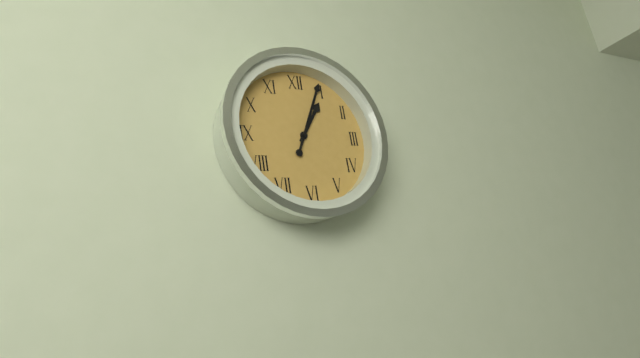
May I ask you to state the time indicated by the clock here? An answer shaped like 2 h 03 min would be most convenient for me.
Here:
1 h 04 min
